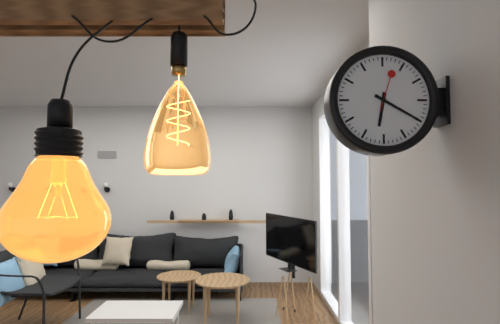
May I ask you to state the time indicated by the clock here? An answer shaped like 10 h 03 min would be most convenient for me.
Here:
6 h 20 min
